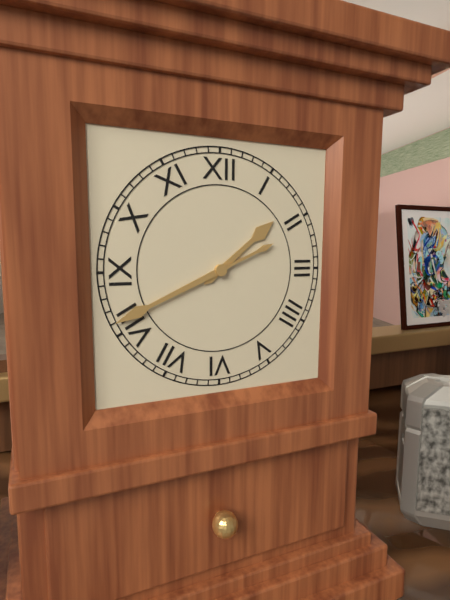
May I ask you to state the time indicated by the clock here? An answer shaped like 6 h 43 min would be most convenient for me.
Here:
1 h 41 min
